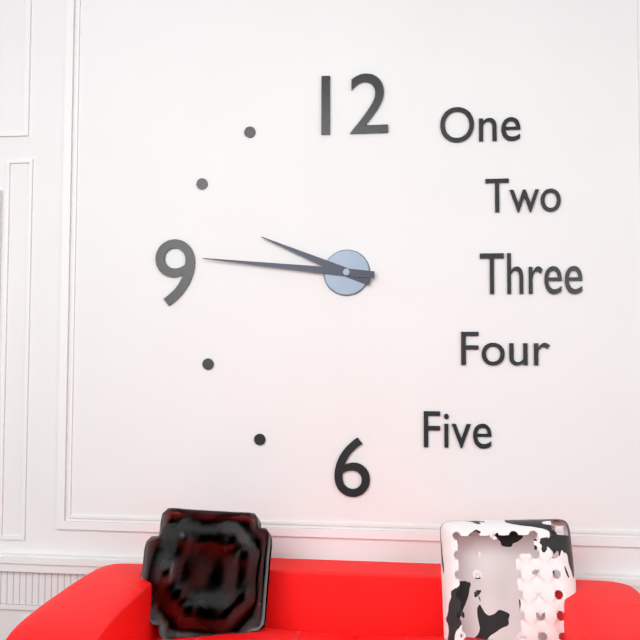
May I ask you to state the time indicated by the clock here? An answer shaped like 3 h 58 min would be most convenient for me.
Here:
9 h 46 min
